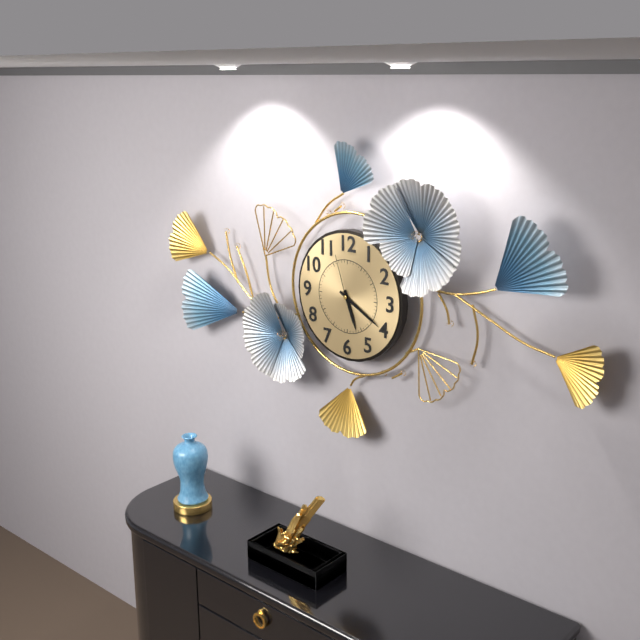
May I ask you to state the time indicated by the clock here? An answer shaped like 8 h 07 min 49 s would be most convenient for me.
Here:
5 h 20 min 57 s
